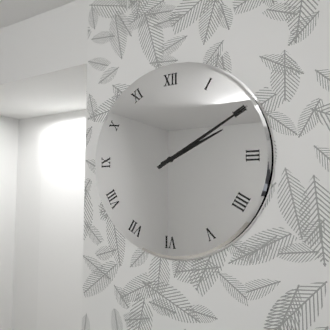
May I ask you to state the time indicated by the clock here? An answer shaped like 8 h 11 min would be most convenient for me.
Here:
2 h 10 min
